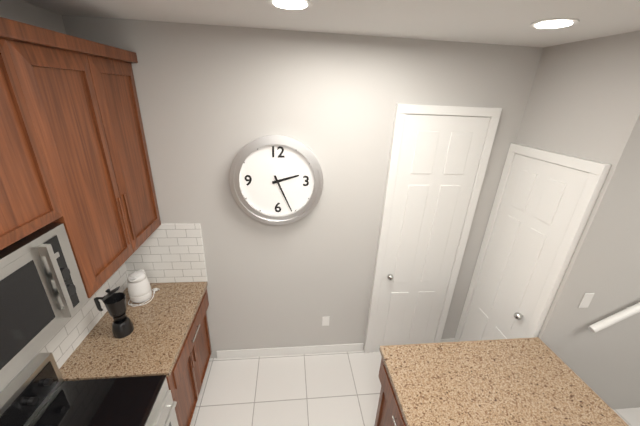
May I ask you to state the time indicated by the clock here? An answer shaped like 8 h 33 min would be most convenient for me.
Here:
2 h 26 min
